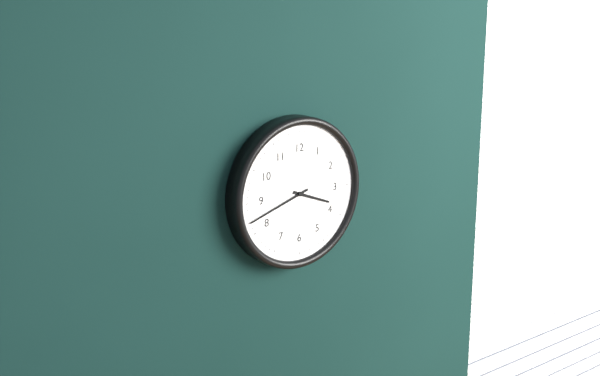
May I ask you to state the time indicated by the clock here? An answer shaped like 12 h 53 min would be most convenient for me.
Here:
3 h 42 min
